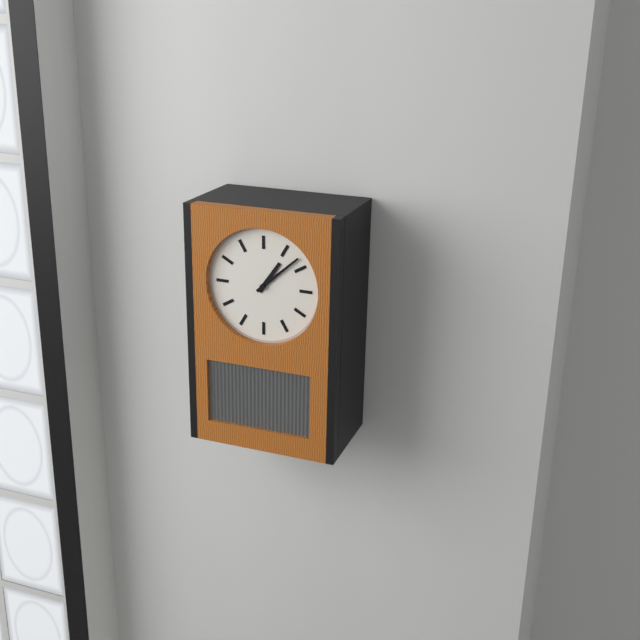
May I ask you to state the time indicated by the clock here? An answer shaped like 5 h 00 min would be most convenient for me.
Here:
1 h 08 min
